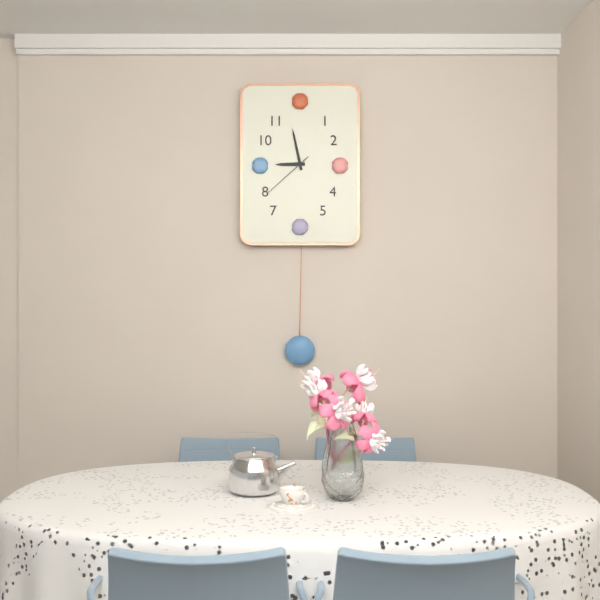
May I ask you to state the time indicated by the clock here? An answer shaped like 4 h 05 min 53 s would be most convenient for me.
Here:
8 h 58 min 38 s
